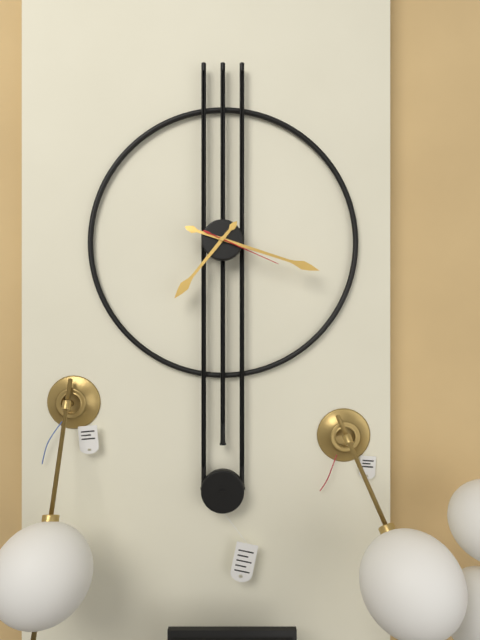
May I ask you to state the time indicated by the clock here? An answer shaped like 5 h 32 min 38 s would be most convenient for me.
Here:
7 h 18 min 19 s
